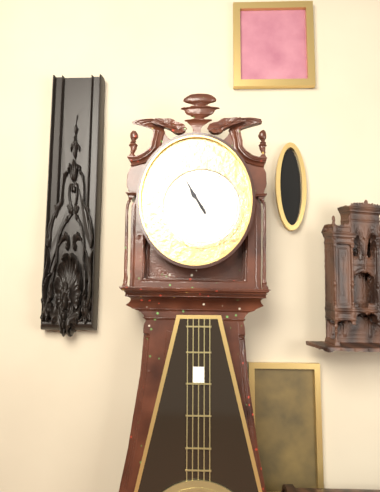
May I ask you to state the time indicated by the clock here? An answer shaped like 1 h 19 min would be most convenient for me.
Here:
10 h 55 min
